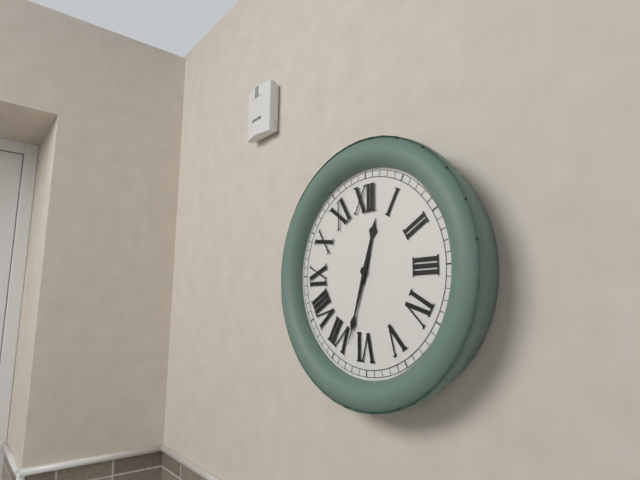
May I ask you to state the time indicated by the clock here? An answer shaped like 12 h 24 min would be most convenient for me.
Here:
12 h 33 min
